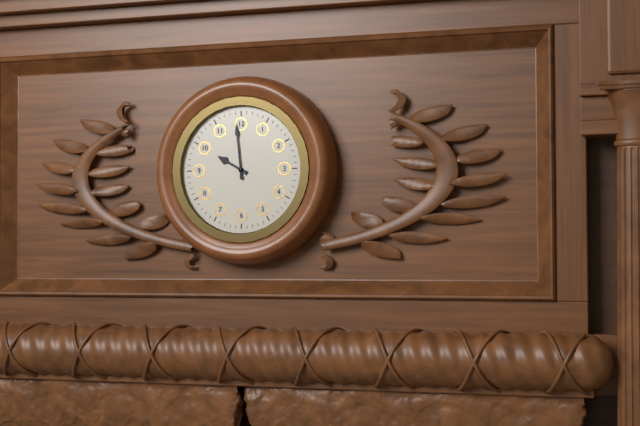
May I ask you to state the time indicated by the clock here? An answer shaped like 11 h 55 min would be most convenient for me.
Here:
9 h 59 min
